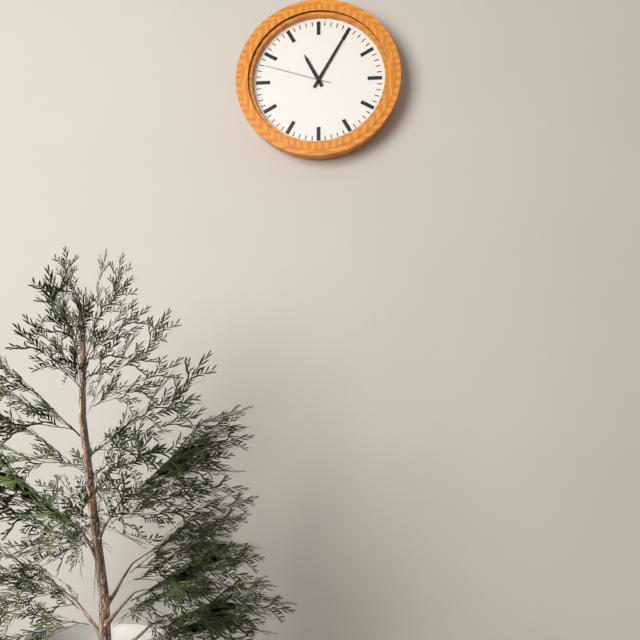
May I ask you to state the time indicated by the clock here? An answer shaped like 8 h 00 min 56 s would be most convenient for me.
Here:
11 h 05 min 48 s
